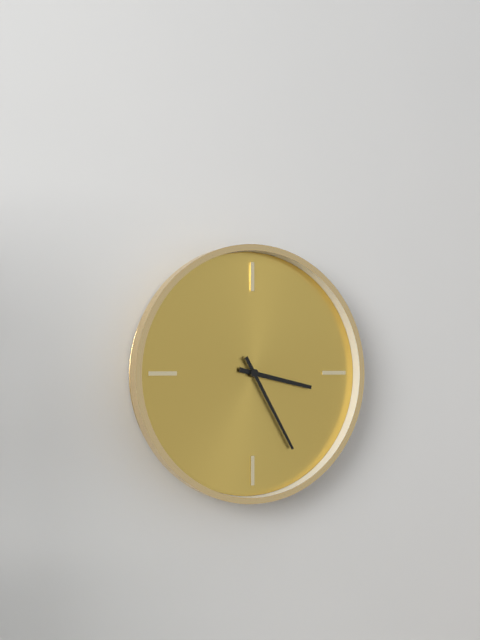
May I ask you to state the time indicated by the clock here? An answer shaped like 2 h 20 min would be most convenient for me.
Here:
3 h 25 min
